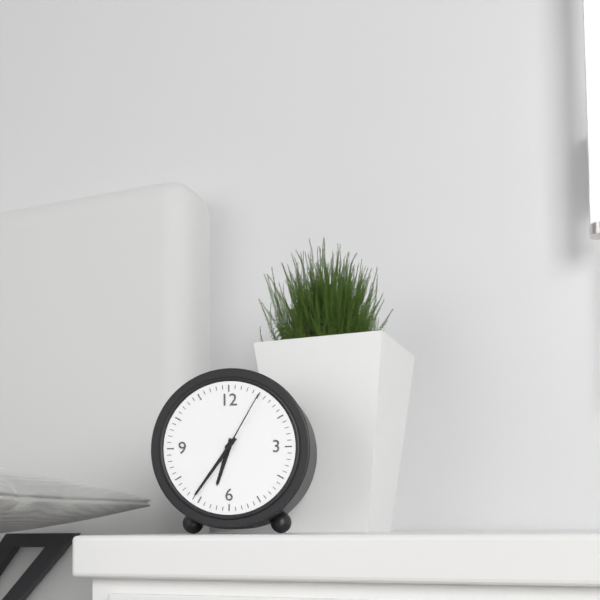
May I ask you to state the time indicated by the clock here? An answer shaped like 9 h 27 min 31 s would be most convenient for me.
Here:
6 h 36 min 05 s
